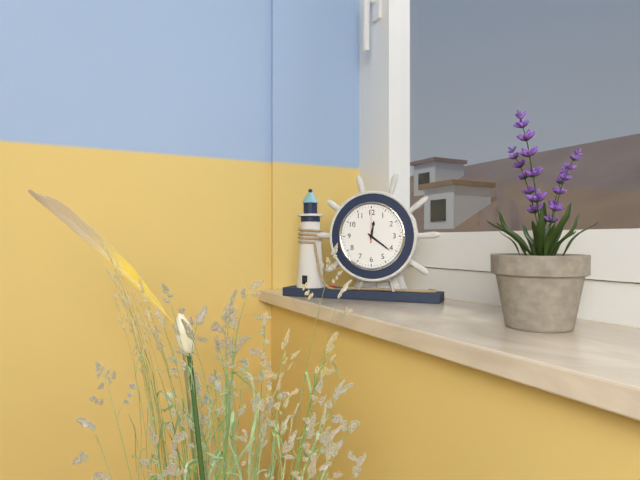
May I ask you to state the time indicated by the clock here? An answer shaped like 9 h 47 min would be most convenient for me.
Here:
12 h 21 min
